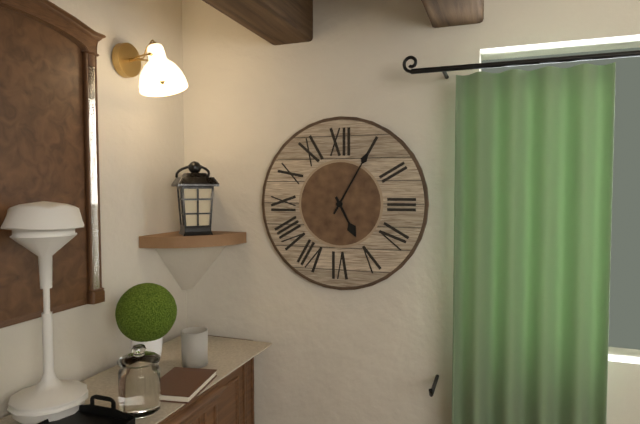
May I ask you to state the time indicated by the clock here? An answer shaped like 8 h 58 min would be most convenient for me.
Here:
5 h 05 min
